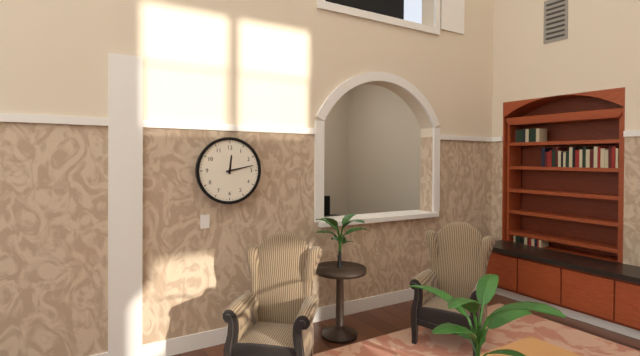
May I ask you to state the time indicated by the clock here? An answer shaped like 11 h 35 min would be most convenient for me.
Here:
12 h 13 min
